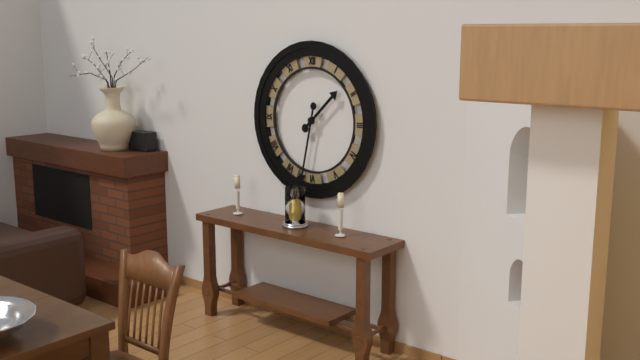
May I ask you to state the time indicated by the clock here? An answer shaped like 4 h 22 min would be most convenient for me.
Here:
1 h 32 min
